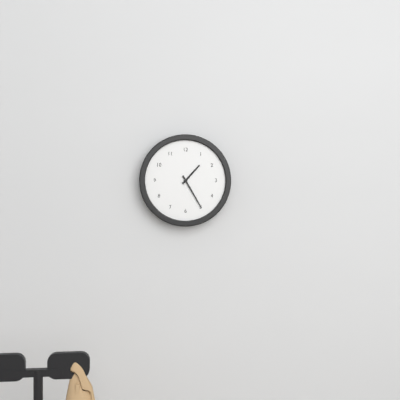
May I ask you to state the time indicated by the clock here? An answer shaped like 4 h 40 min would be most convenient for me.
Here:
1 h 25 min
